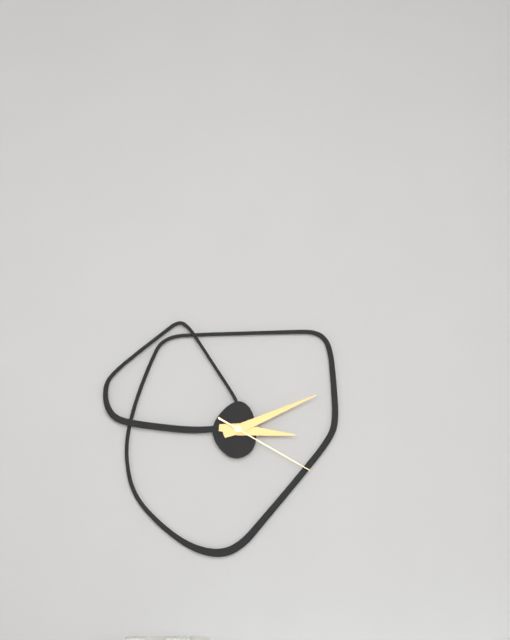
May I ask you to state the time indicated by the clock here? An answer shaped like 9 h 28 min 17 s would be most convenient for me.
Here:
3 h 11 min 20 s
